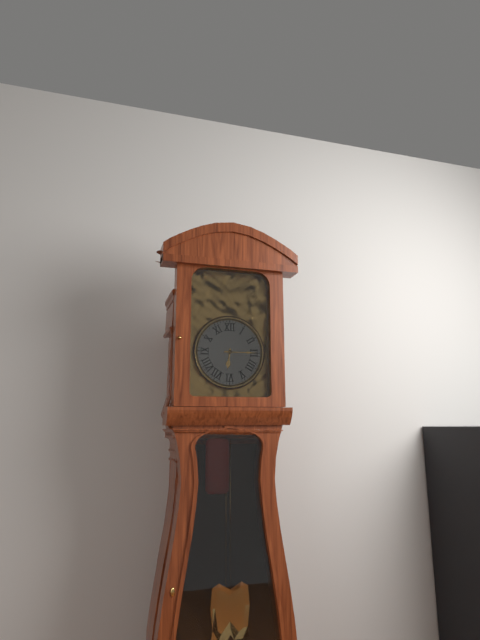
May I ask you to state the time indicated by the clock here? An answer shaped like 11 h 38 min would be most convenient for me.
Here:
6 h 15 min
